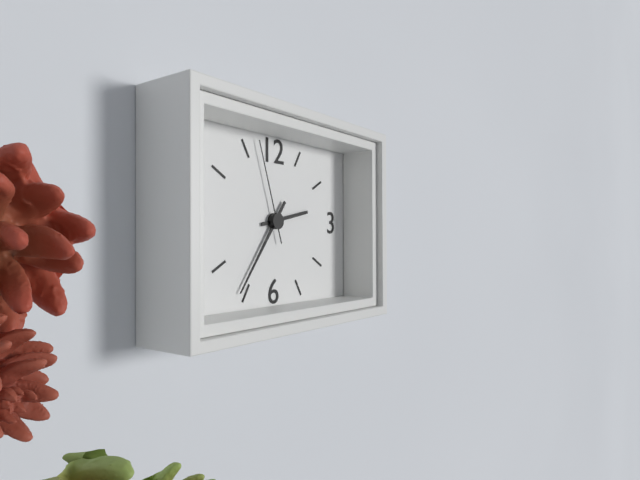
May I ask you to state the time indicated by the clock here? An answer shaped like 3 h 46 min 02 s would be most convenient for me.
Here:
2 h 36 min 57 s
